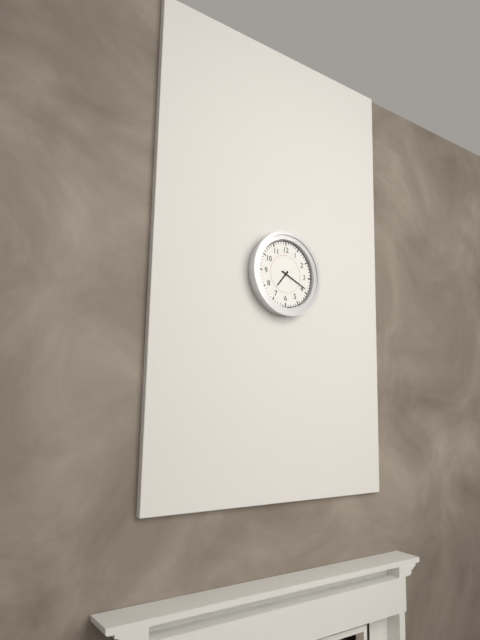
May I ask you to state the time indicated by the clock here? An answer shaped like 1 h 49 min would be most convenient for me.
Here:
7 h 19 min
